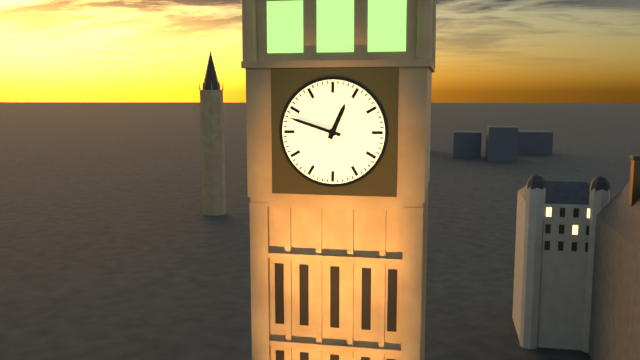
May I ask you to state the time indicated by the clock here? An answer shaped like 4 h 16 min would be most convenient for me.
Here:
12 h 48 min
